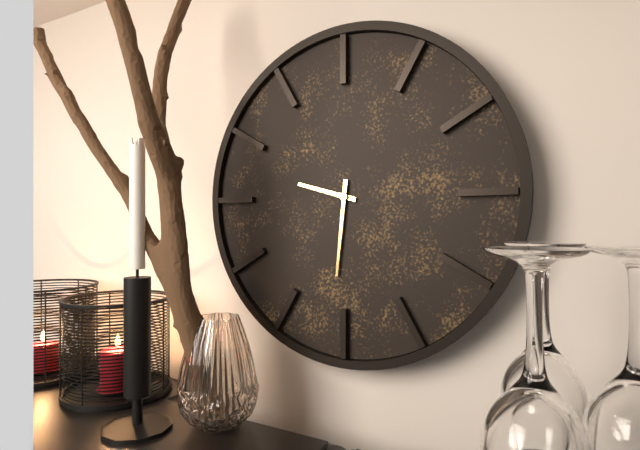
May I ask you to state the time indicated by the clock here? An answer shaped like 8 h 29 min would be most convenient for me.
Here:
9 h 31 min
